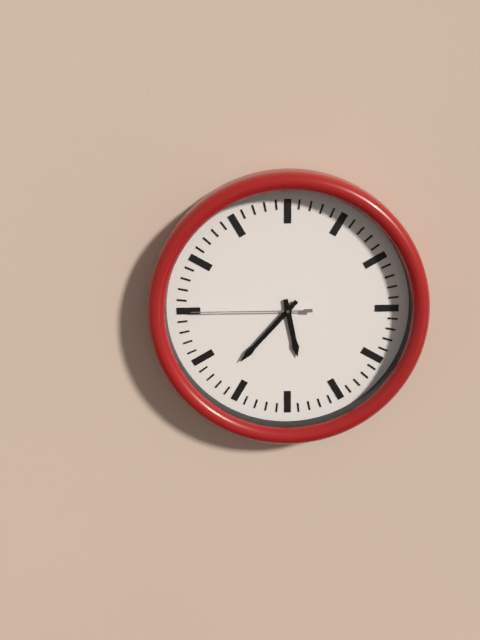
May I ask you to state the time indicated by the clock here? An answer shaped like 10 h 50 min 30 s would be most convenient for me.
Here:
5 h 37 min 45 s
